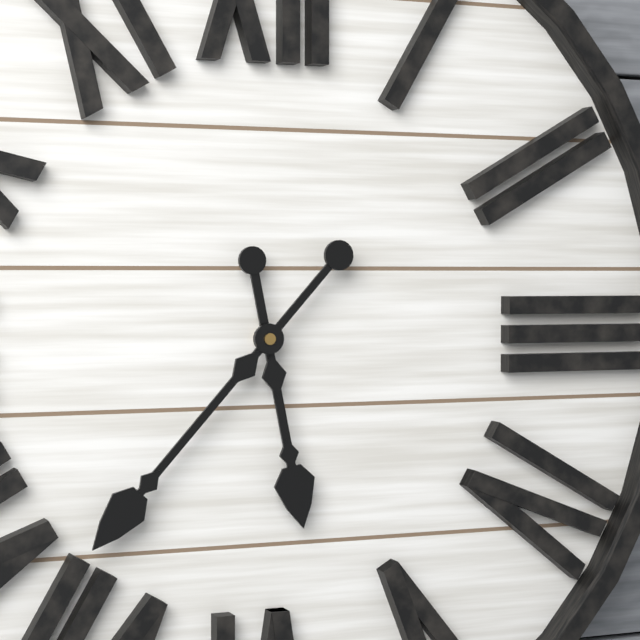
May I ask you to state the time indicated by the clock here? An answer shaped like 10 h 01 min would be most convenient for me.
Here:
5 h 37 min
